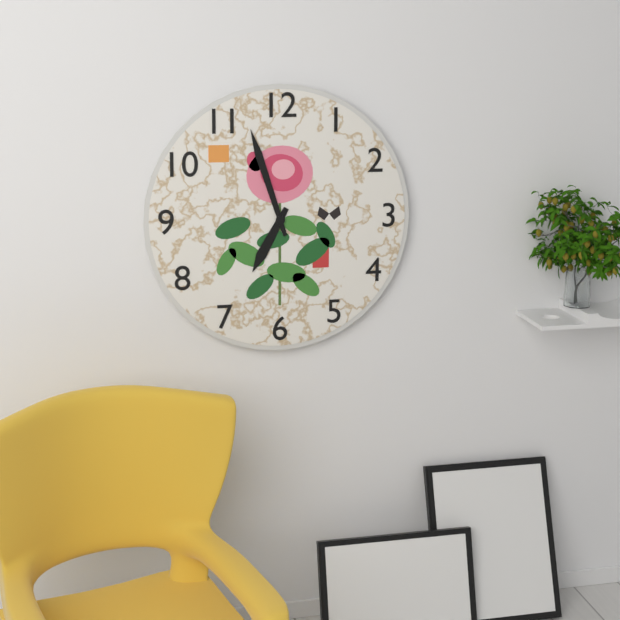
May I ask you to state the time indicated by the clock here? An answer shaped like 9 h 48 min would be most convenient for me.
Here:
6 h 57 min
